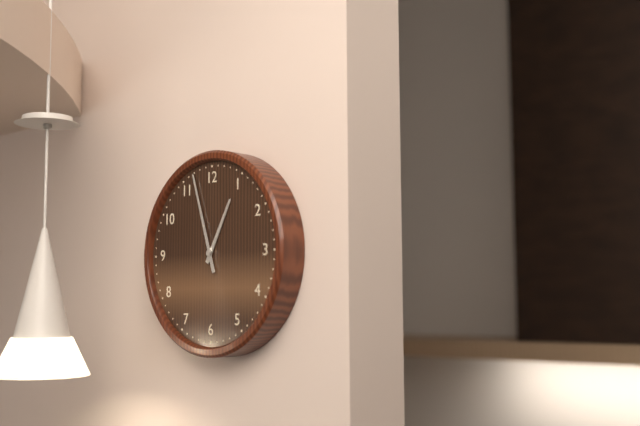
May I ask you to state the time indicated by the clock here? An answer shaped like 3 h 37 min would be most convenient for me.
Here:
12 h 57 min
